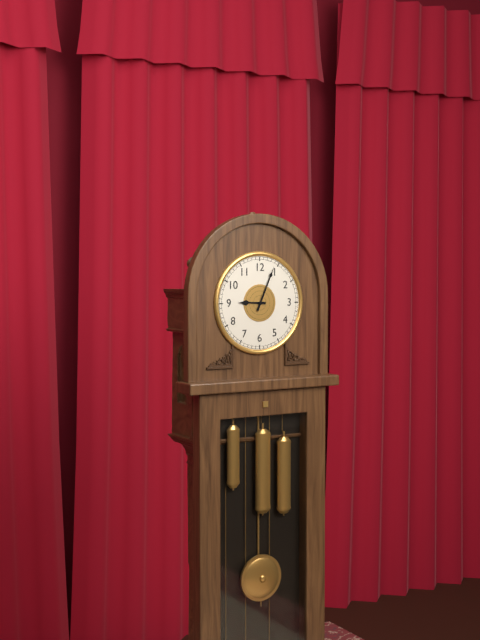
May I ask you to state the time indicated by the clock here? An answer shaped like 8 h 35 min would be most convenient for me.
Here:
9 h 04 min
